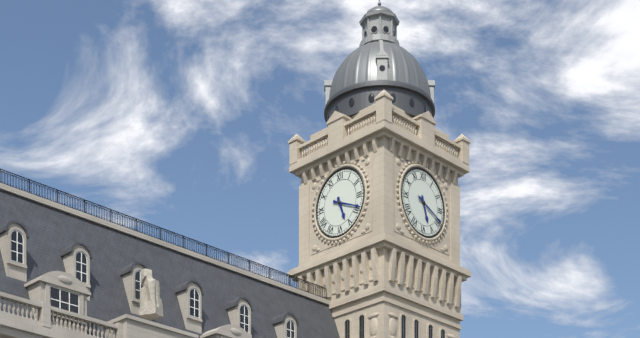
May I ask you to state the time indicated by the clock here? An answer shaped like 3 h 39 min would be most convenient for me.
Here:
5 h 19 min
